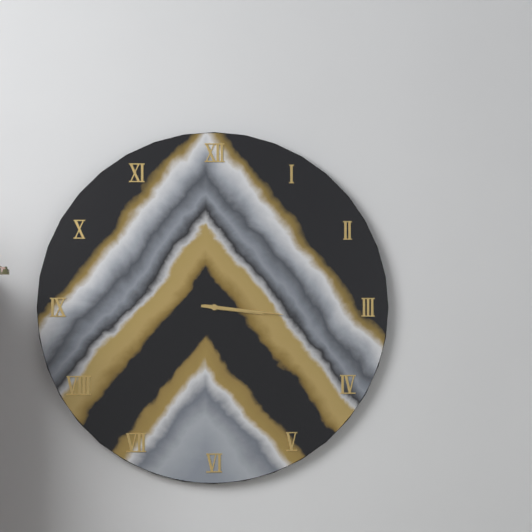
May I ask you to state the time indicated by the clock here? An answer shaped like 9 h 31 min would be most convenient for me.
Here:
3 h 16 min
